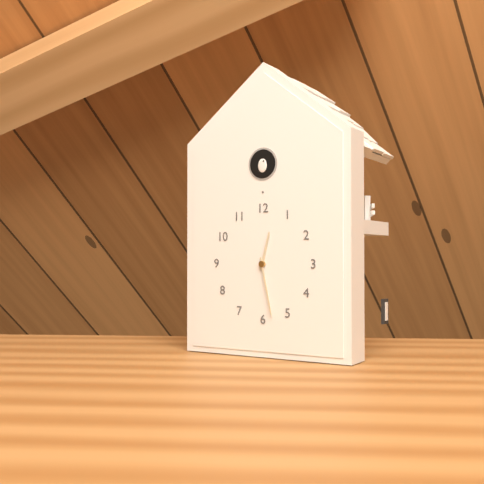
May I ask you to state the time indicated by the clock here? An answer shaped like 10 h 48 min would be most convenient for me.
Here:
12 h 28 min
